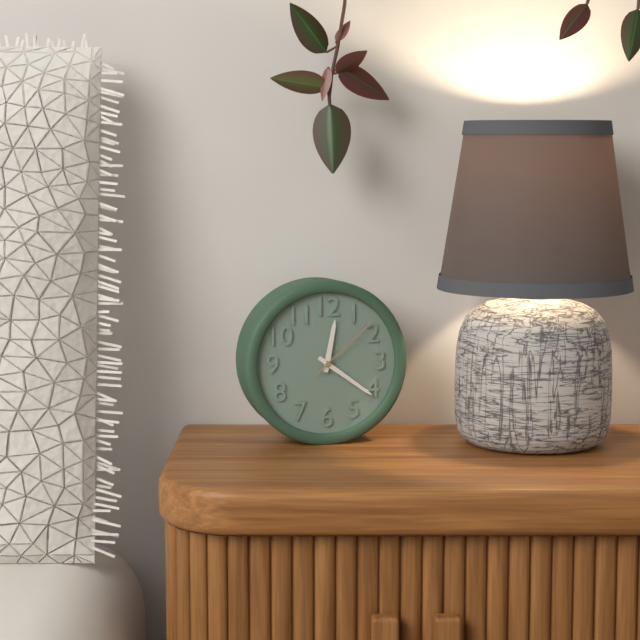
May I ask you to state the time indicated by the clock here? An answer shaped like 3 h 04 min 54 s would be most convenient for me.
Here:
12 h 21 min 08 s
